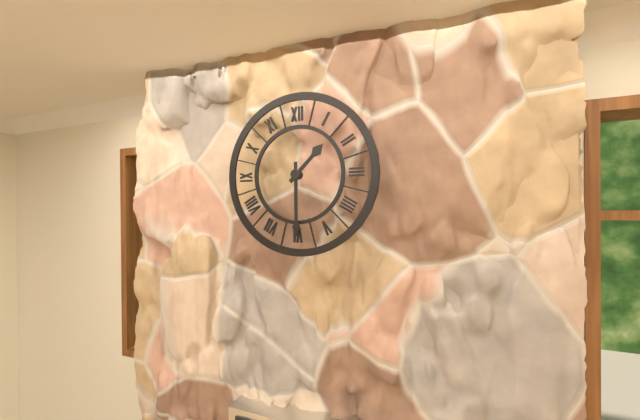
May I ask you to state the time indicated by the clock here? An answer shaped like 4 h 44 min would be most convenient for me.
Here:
1 h 30 min
